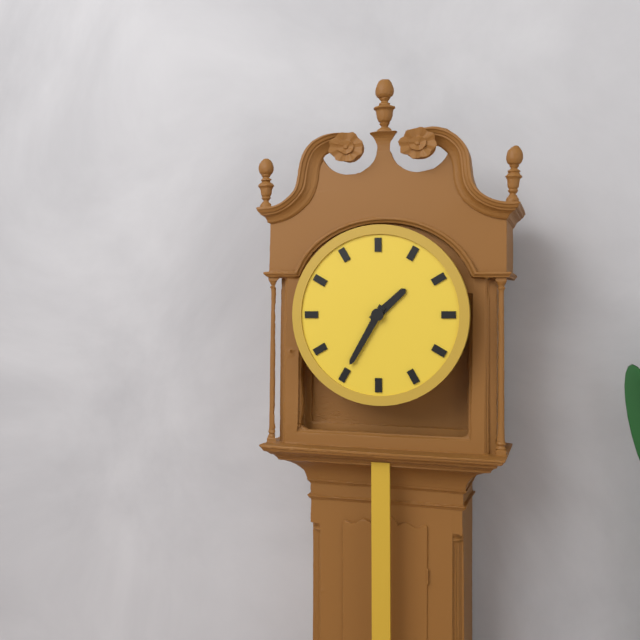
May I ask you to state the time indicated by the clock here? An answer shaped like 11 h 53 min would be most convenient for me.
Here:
1 h 35 min
